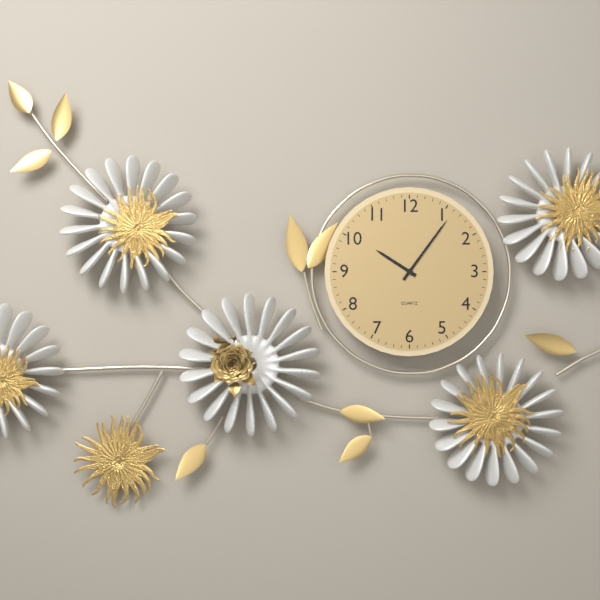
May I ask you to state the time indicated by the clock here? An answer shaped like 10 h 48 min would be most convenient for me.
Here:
10 h 06 min
